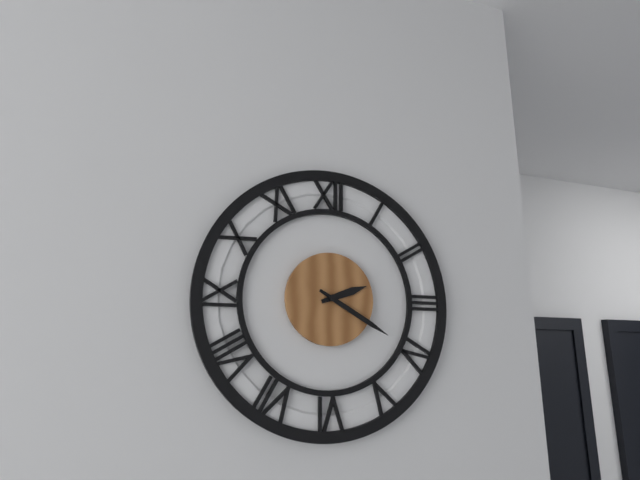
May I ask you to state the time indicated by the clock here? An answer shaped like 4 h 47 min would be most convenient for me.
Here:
2 h 20 min
